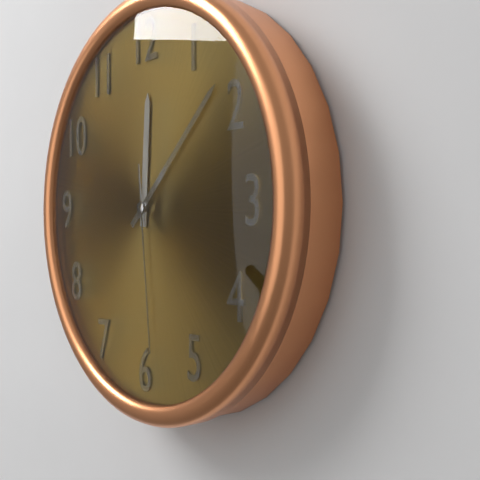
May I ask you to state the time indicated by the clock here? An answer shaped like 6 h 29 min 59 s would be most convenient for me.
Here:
12 h 08 min 29 s
